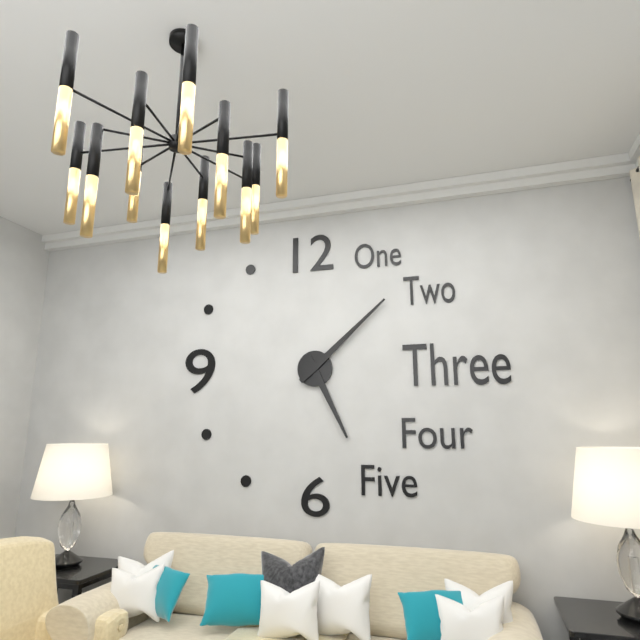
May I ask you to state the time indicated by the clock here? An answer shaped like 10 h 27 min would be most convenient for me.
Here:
5 h 08 min
